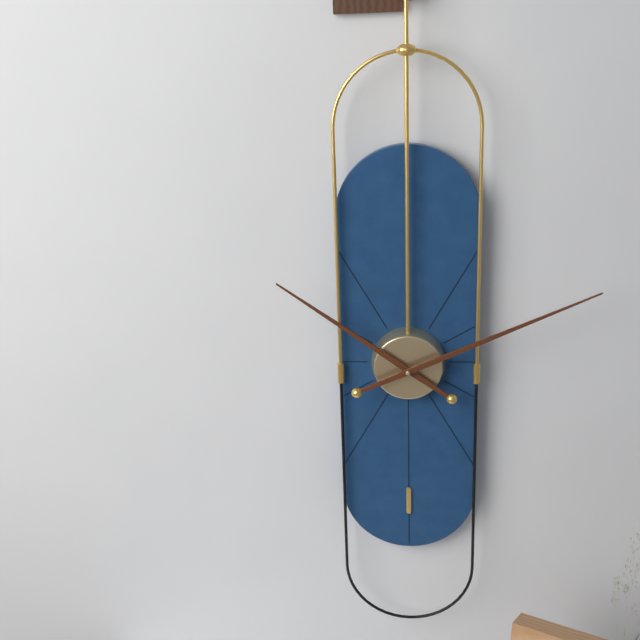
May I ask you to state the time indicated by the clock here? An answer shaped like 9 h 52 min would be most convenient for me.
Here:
10 h 11 min
